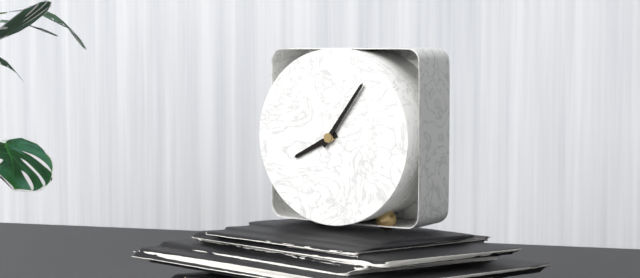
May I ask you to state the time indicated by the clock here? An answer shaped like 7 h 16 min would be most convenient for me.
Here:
8 h 06 min
